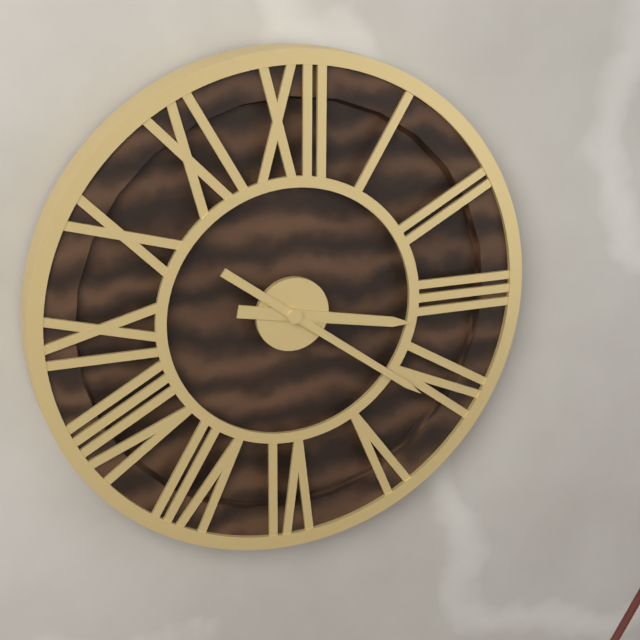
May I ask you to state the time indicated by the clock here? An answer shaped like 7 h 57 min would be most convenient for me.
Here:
3 h 21 min
